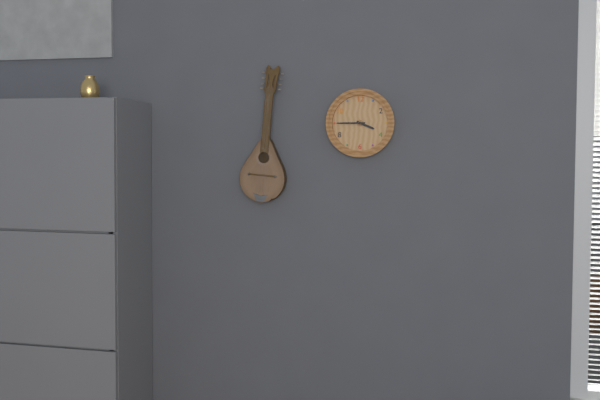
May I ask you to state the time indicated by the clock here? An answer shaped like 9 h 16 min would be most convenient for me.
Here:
3 h 45 min
